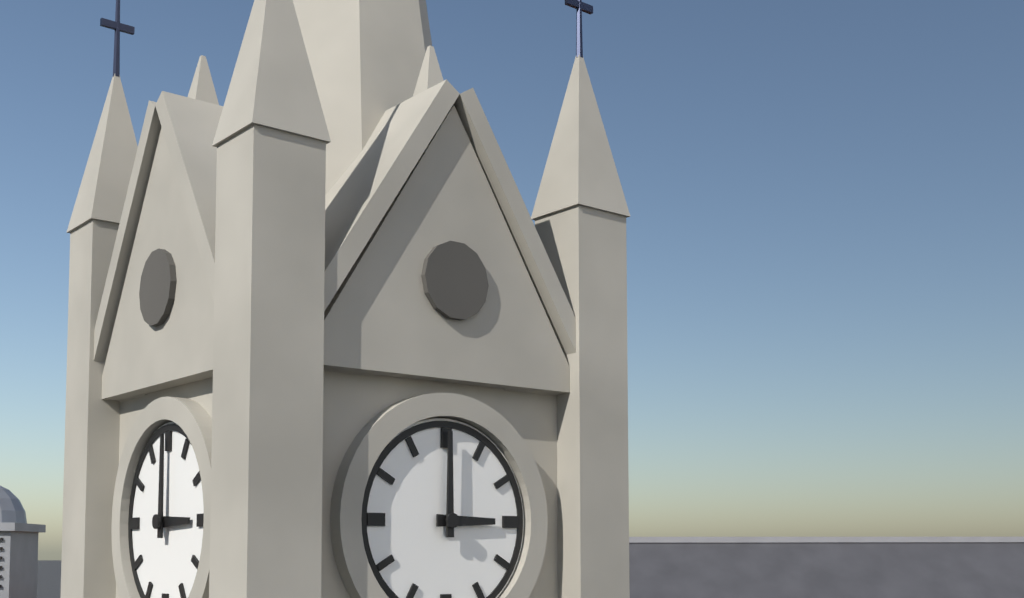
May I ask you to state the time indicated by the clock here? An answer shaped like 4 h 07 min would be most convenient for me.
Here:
3 h 00 min
